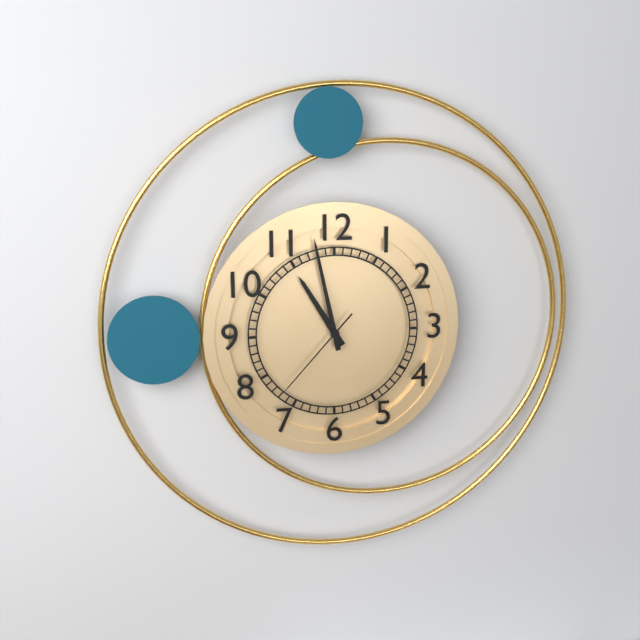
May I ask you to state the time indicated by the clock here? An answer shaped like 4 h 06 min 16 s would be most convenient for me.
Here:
10 h 58 min 37 s
